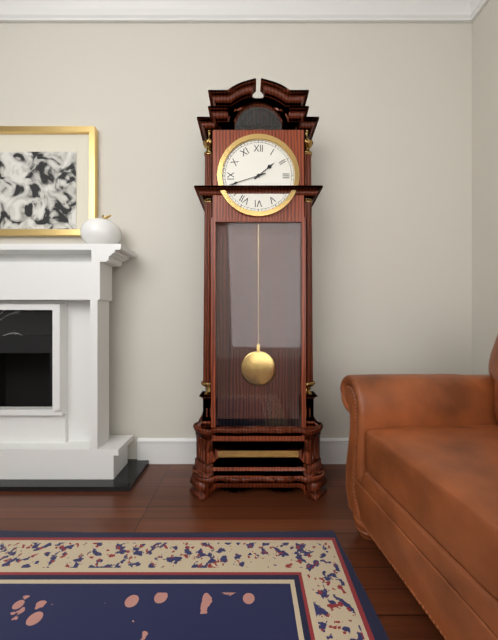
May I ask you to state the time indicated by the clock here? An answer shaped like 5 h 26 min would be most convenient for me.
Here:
1 h 42 min
